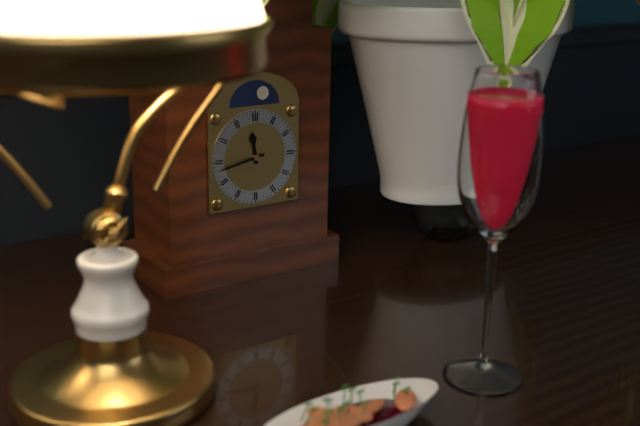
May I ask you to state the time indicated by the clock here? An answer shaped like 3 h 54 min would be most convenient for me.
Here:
11 h 43 min
